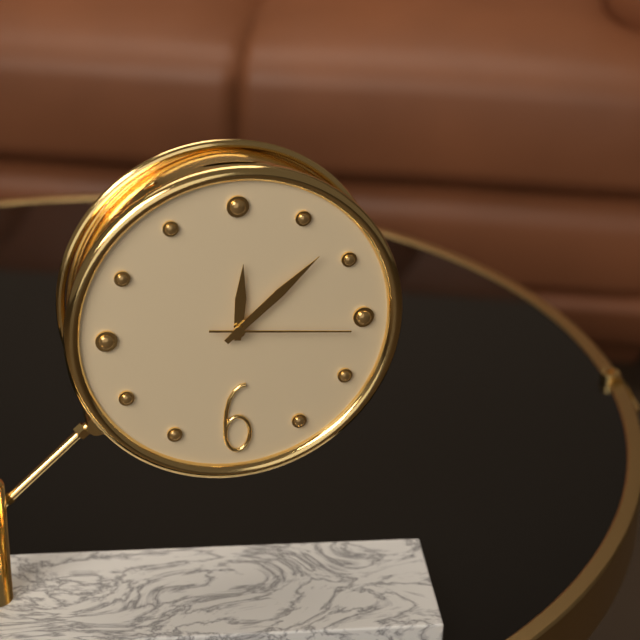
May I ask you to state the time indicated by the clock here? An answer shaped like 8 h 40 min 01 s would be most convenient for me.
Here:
12 h 08 min 16 s
